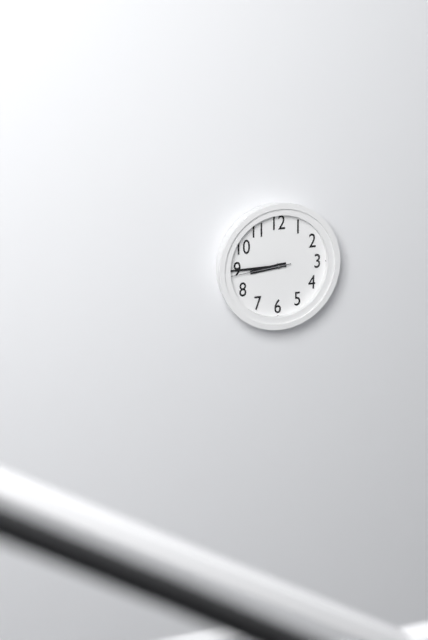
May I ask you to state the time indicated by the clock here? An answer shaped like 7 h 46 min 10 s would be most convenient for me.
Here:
8 h 45 min 44 s
